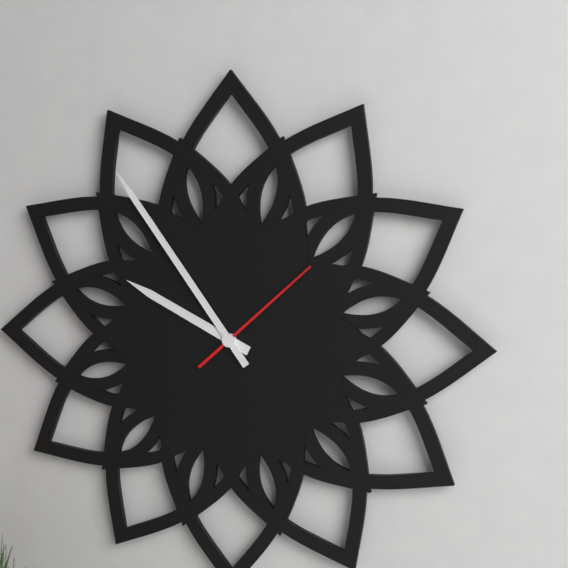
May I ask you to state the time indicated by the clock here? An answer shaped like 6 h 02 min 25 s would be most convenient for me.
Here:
9 h 54 min 08 s
